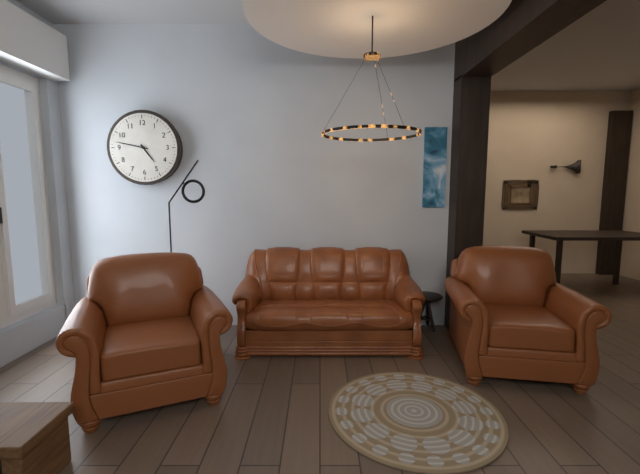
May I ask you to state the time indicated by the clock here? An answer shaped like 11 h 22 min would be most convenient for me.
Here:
4 h 47 min
